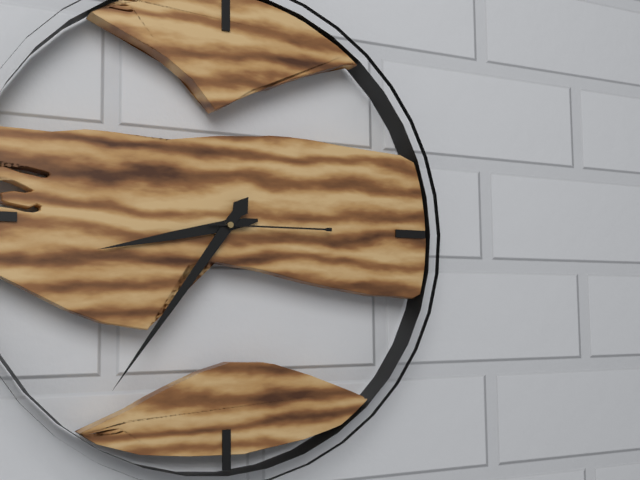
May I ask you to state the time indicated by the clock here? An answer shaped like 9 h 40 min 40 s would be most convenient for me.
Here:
8 h 36 min 15 s
